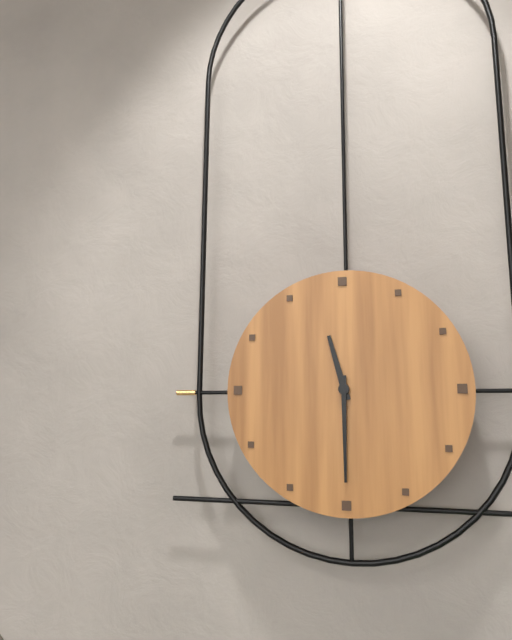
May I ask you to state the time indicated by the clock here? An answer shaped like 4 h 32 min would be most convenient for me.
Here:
11 h 30 min
